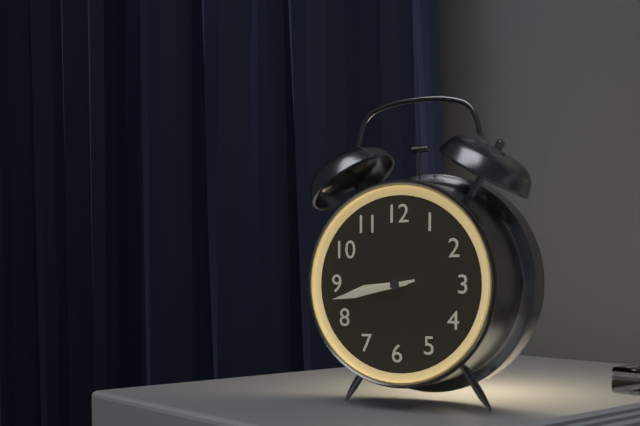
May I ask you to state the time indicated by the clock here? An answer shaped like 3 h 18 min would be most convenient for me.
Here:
8 h 43 min
